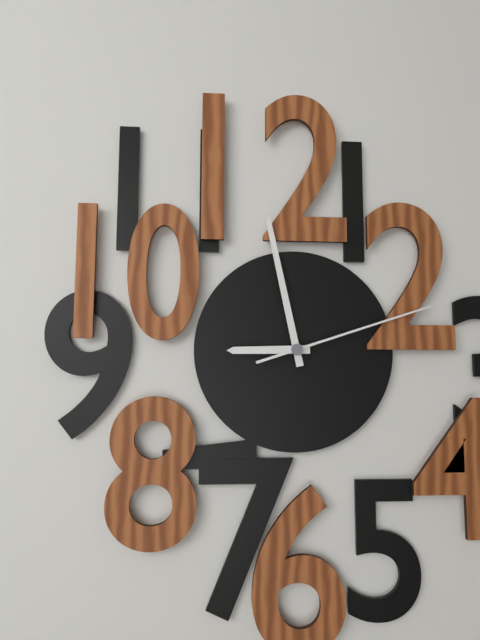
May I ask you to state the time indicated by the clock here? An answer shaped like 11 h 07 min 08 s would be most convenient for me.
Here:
8 h 58 min 12 s
